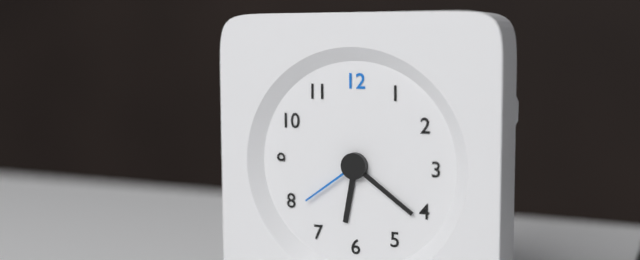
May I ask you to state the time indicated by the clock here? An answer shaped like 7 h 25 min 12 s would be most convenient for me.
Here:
6 h 21 min 39 s
